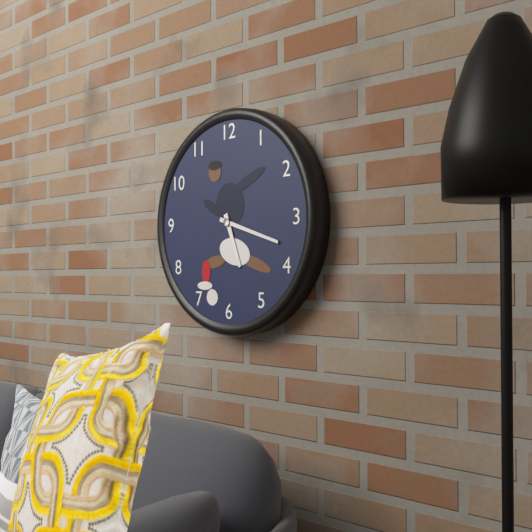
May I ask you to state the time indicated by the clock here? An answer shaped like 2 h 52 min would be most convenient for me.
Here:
5 h 18 min
